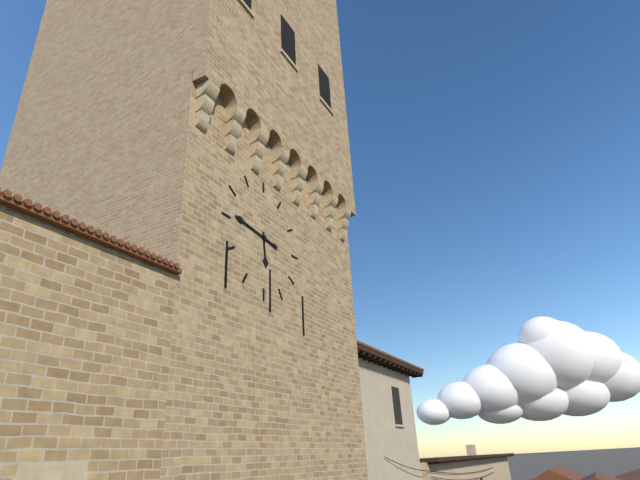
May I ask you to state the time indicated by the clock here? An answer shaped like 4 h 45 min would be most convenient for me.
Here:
5 h 46 min
